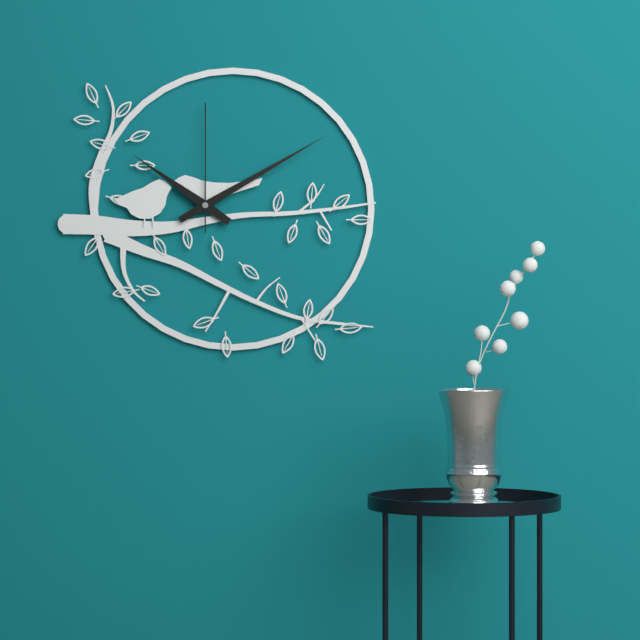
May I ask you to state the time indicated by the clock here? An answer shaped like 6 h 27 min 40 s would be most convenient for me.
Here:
10 h 10 min 00 s
